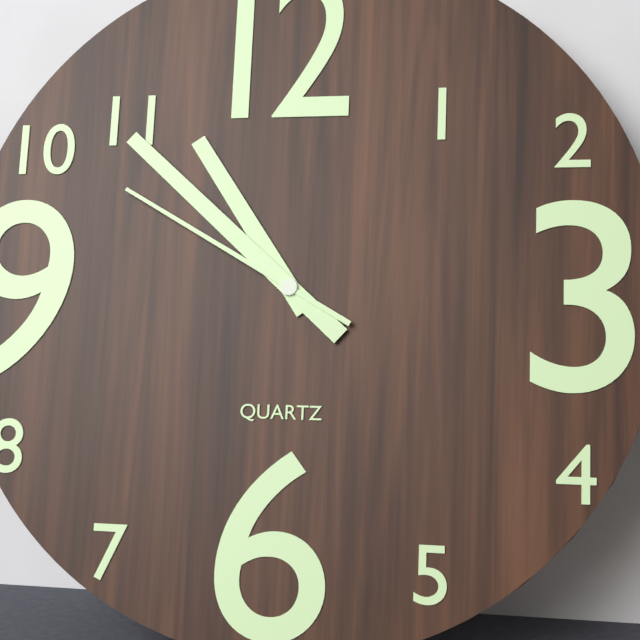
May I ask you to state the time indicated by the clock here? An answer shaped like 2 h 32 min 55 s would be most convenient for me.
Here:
10 h 52 min 50 s
